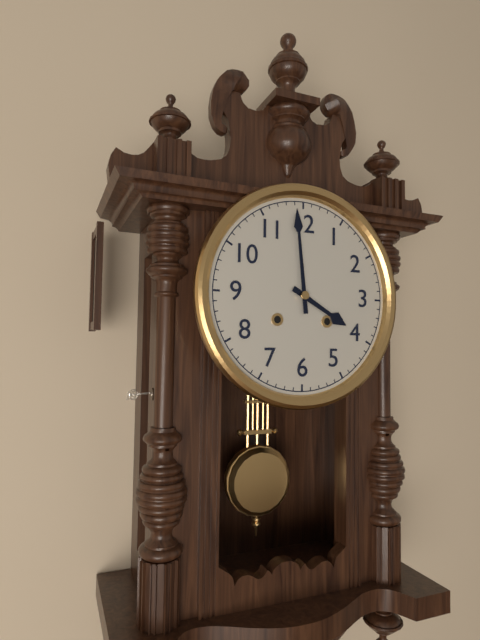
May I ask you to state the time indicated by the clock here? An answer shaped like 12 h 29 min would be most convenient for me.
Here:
3 h 59 min
